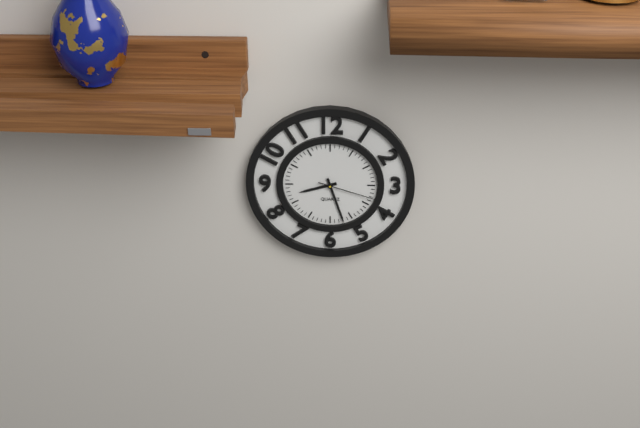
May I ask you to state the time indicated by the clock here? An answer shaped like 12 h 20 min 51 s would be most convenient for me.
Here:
8 h 27 min 18 s
